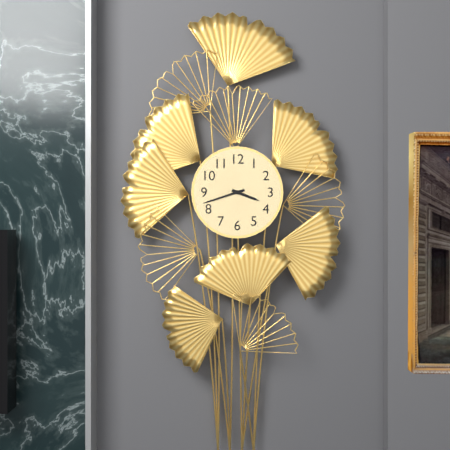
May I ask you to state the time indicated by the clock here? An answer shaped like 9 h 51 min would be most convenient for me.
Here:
3 h 42 min
